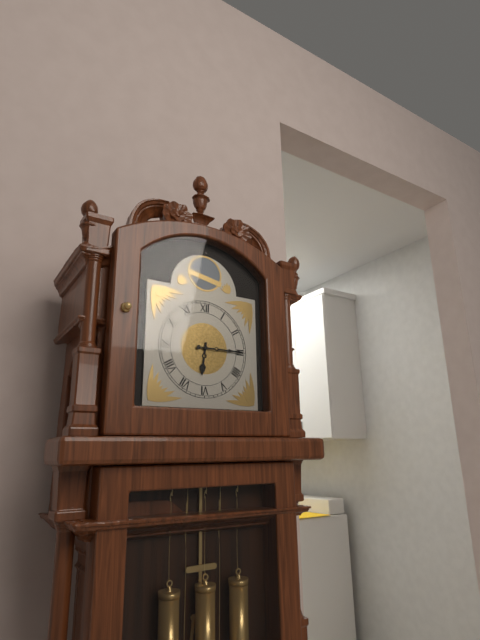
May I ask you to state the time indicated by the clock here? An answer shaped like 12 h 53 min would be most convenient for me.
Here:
6 h 15 min
